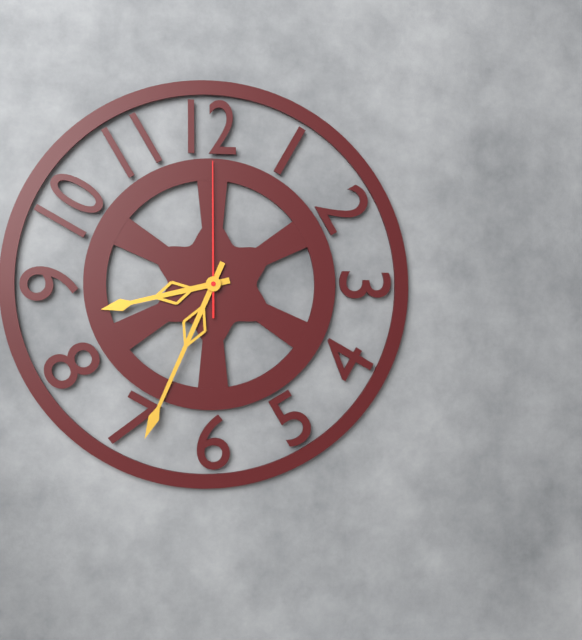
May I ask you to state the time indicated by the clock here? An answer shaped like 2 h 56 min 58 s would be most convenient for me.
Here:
8 h 34 min 00 s
